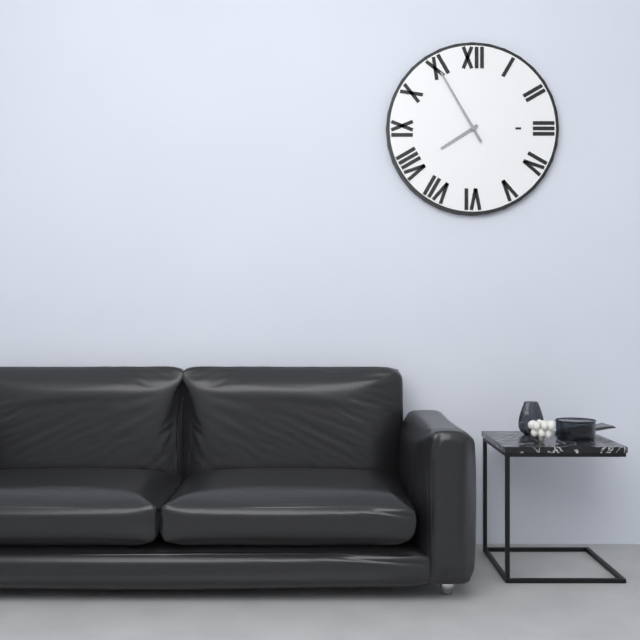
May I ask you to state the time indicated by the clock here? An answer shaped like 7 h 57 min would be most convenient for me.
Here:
7 h 55 min
